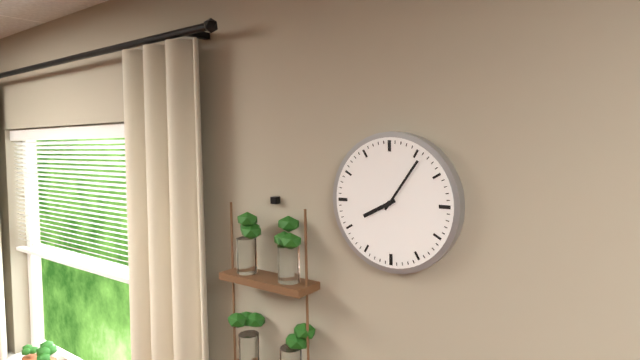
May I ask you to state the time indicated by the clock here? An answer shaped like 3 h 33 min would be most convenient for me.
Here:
8 h 06 min
